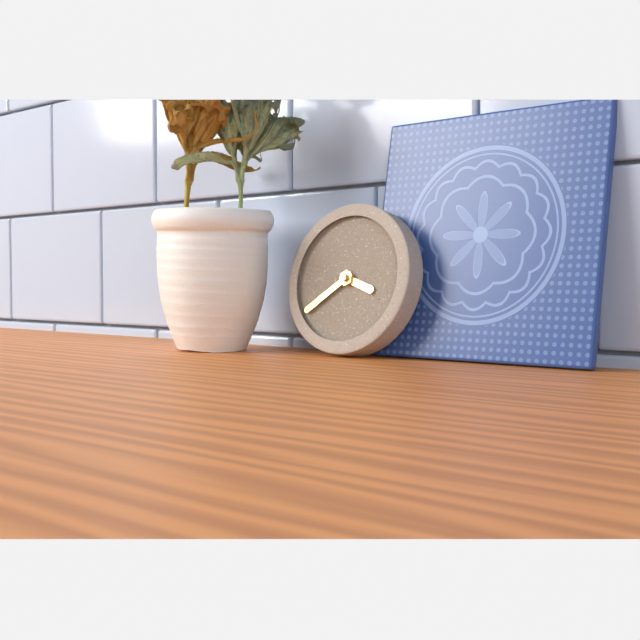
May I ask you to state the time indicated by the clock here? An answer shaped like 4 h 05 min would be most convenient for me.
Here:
3 h 39 min
